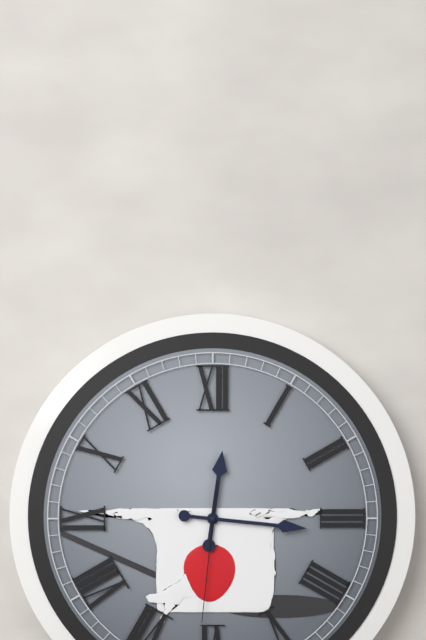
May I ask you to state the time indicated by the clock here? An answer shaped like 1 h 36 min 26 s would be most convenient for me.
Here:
12 h 16 min 31 s
